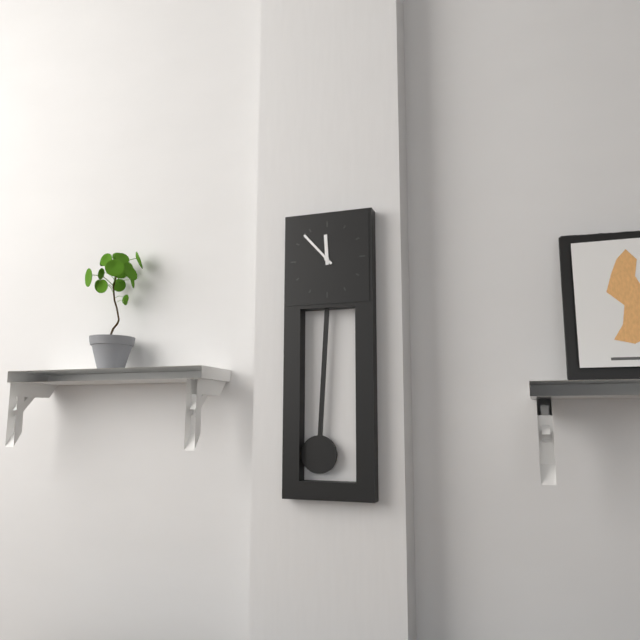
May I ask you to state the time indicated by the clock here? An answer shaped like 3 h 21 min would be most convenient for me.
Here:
11 h 53 min
